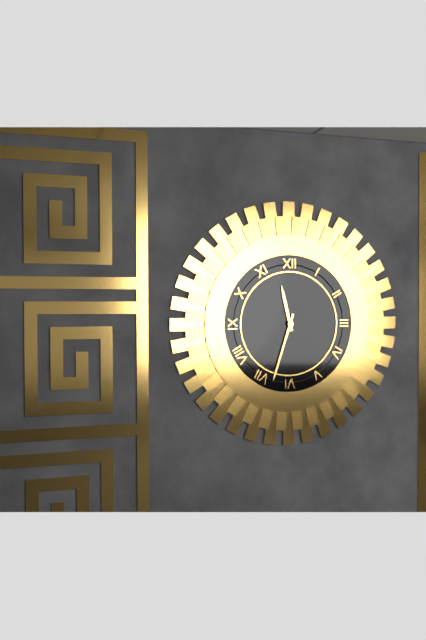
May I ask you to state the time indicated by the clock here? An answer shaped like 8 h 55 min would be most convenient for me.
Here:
11 h 33 min
